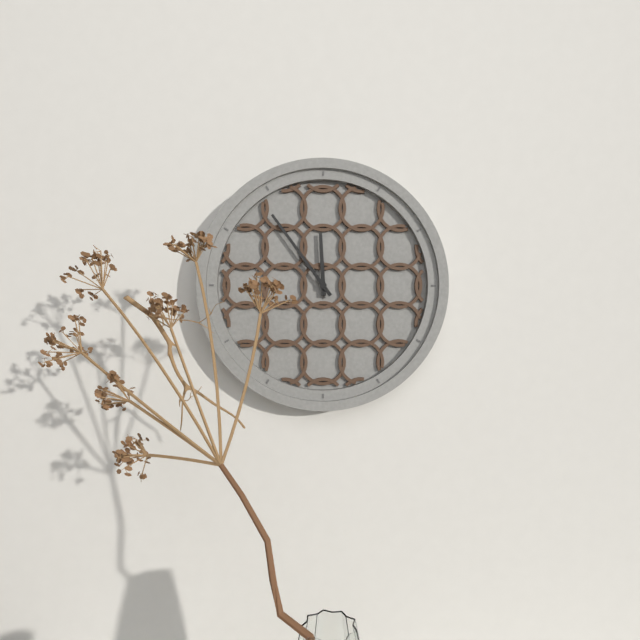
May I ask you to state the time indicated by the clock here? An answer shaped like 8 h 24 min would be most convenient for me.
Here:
11 h 54 min
